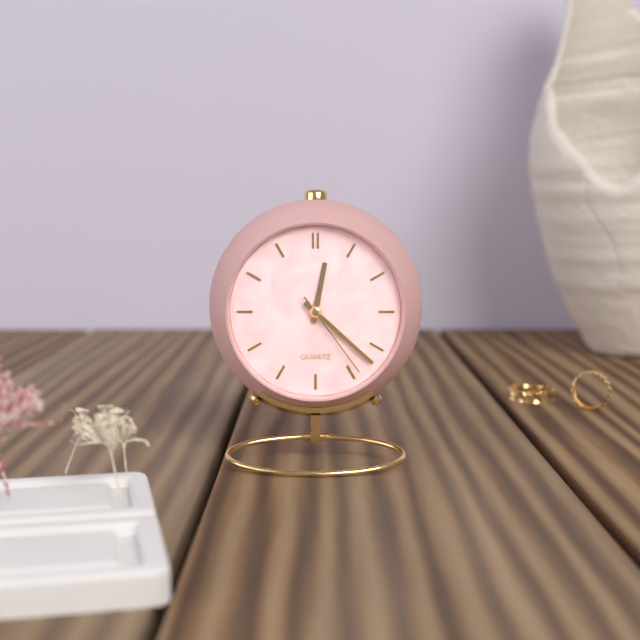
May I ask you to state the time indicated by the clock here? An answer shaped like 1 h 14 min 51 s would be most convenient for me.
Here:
12 h 22 min 24 s
